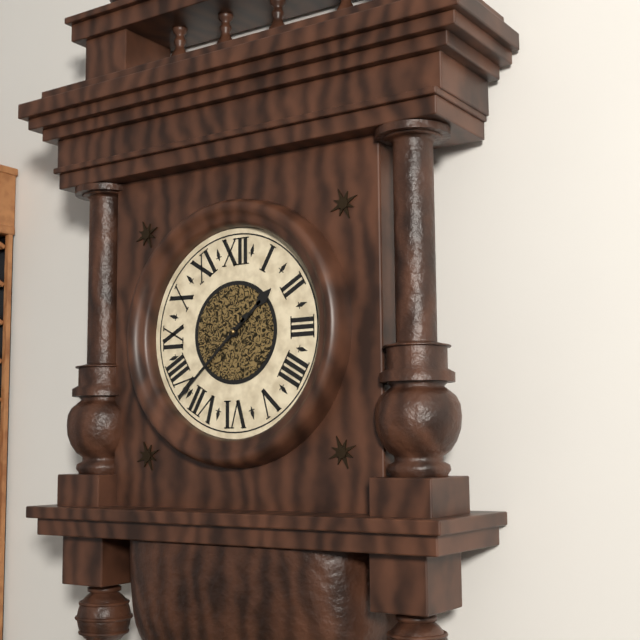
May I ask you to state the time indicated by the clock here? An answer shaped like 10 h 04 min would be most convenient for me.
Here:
1 h 38 min
